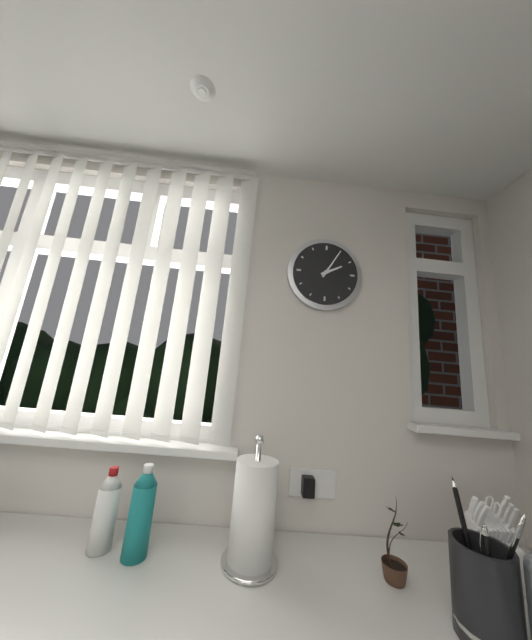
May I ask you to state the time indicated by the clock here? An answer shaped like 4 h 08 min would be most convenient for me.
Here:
2 h 05 min
